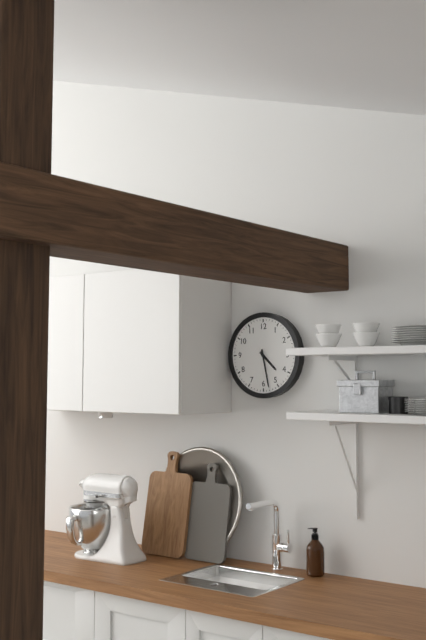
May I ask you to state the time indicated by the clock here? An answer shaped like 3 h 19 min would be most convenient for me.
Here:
4 h 28 min
